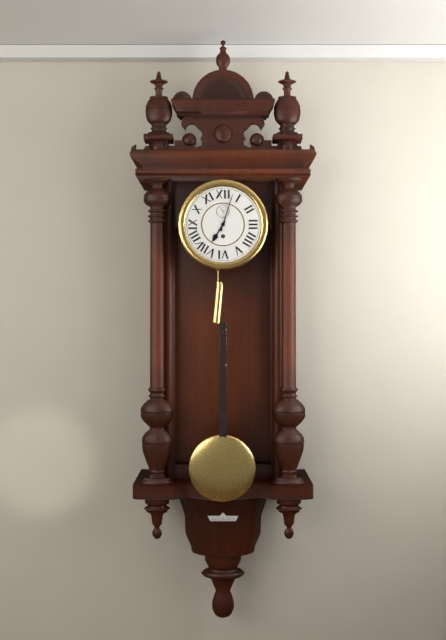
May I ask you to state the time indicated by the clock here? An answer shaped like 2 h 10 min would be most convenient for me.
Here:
7 h 03 min
